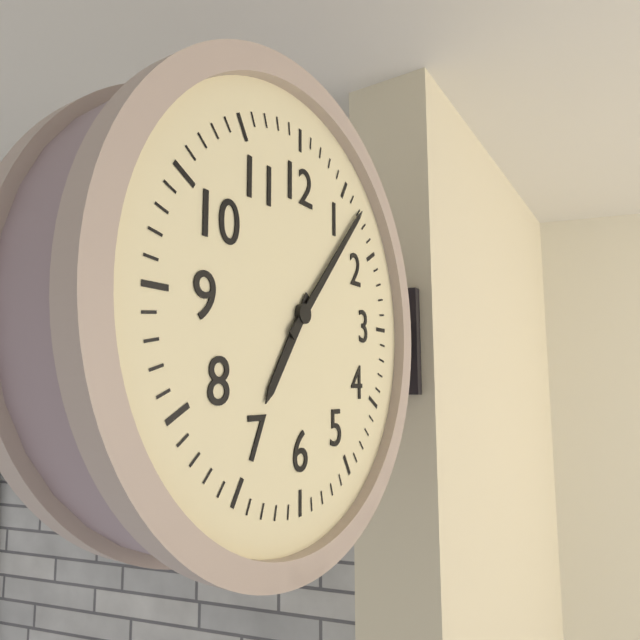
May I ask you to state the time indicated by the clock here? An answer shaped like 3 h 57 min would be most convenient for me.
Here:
7 h 07 min
